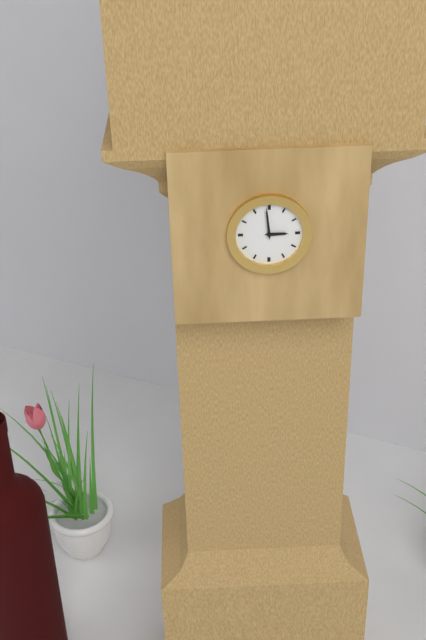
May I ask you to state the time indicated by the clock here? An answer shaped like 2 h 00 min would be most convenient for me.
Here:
2 h 59 min
